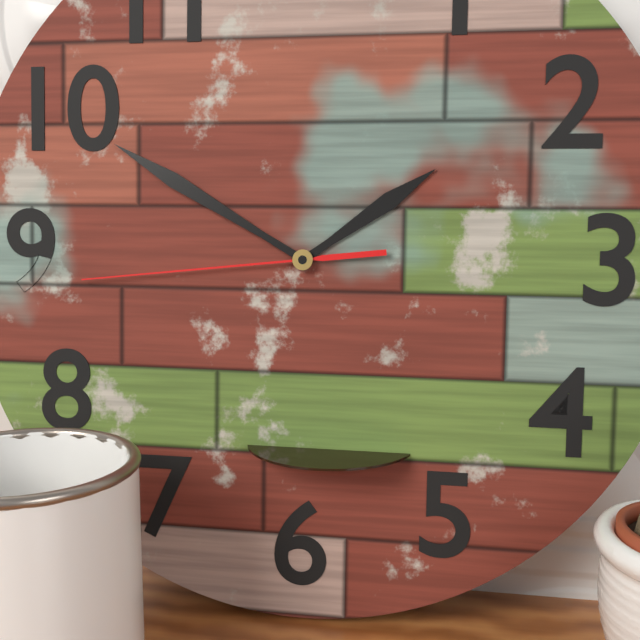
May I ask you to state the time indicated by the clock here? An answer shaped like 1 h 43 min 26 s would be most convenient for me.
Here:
1 h 50 min 44 s
